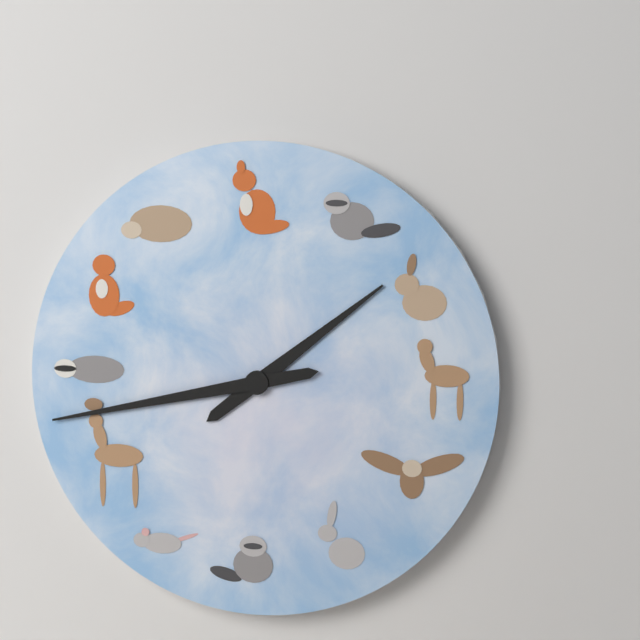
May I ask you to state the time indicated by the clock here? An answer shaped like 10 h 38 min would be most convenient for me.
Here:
1 h 43 min
